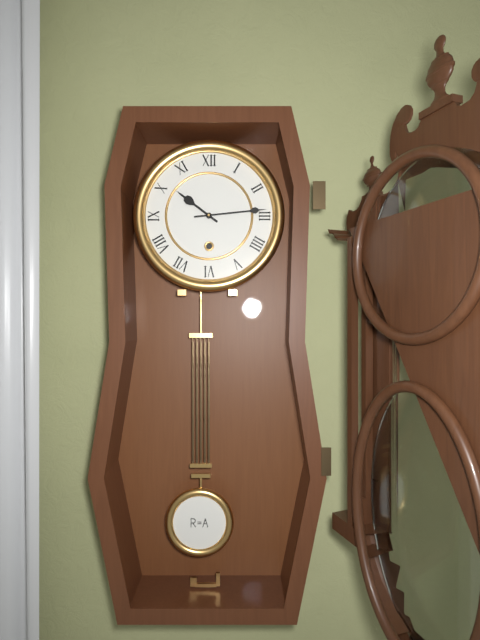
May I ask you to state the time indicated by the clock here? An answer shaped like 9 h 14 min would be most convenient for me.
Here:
10 h 14 min
